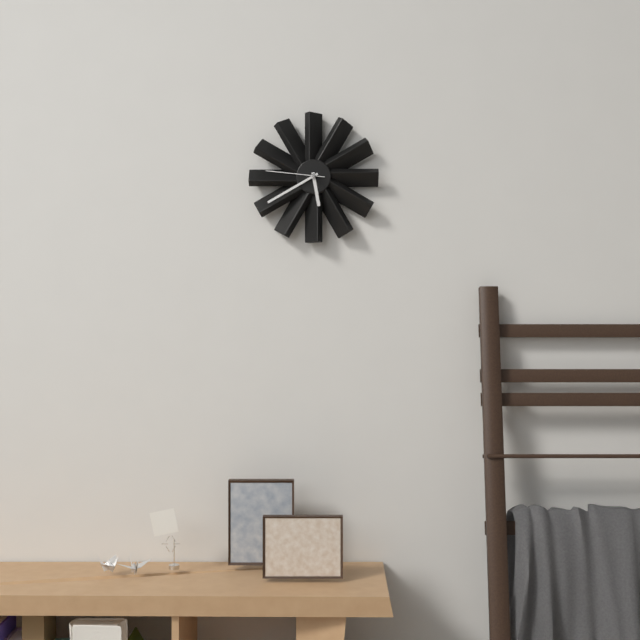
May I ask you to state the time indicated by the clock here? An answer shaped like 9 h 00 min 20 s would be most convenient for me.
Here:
5 h 40 min 46 s
